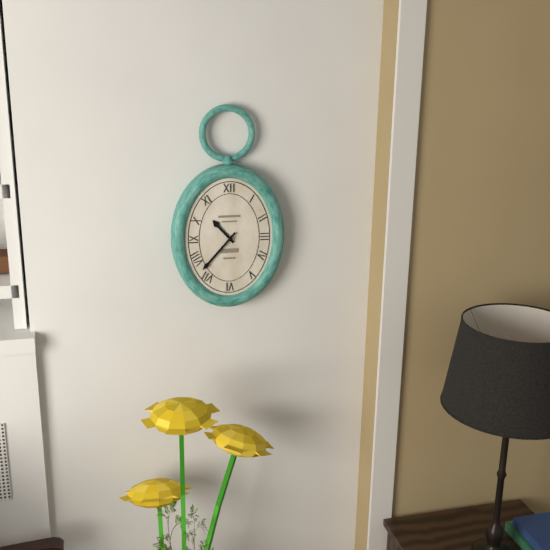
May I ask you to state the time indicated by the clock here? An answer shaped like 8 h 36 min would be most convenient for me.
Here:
10 h 37 min
